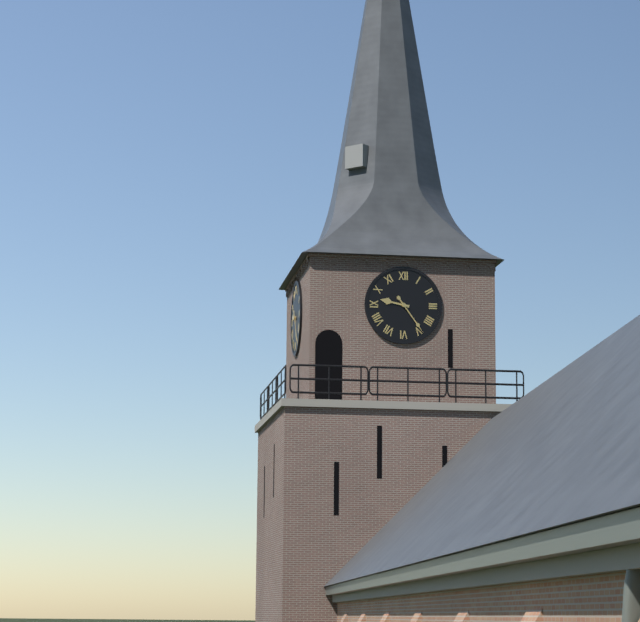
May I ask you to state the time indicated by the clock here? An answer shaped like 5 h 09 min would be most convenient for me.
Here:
9 h 24 min
